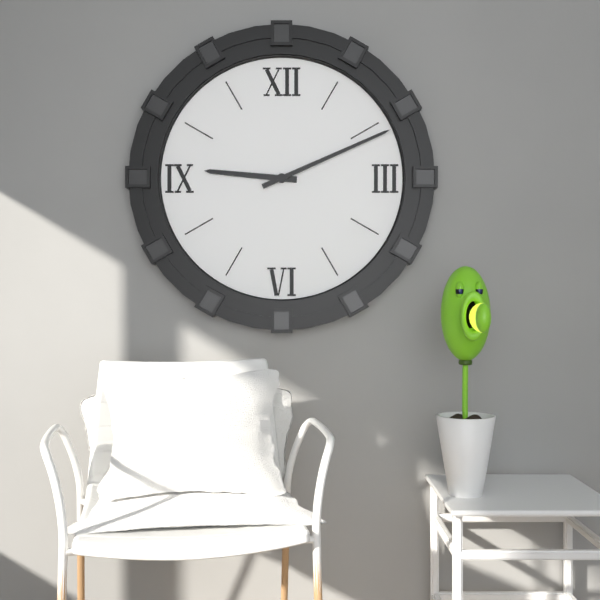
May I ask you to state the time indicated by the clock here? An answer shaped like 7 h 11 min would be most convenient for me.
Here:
9 h 11 min
